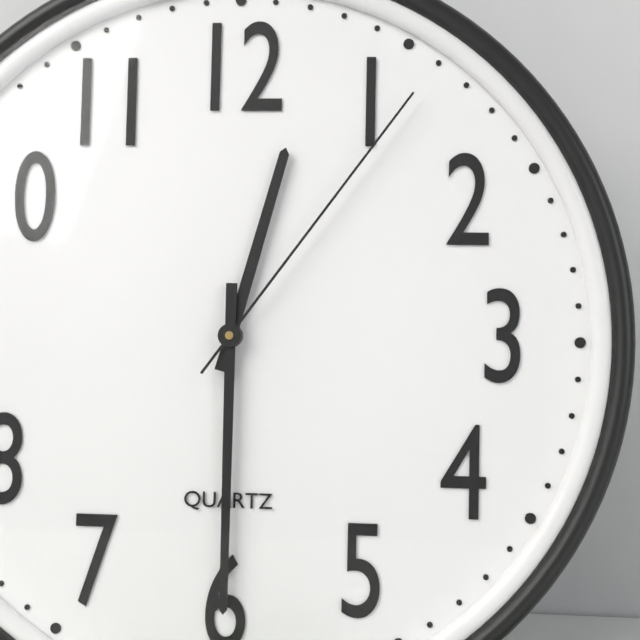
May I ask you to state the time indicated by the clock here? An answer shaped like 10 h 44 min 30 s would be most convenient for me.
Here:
12 h 30 min 06 s
